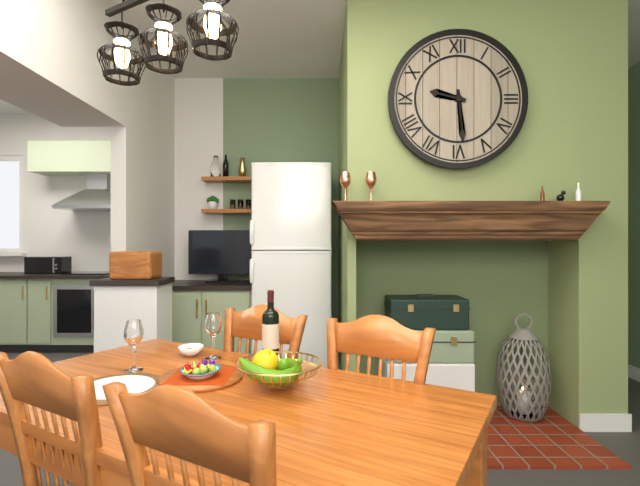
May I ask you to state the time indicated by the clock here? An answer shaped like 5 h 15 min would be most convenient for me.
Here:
9 h 29 min
